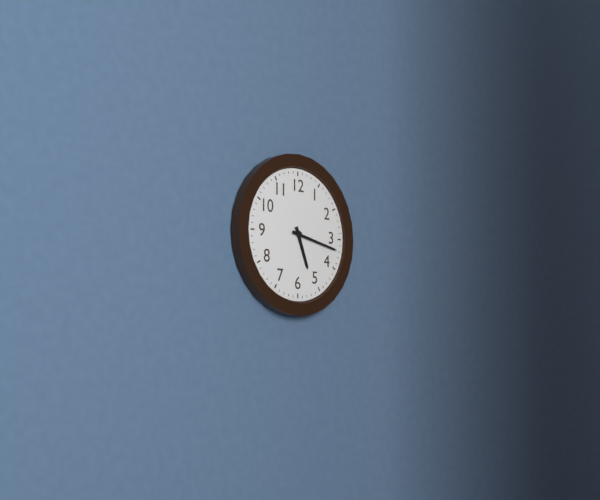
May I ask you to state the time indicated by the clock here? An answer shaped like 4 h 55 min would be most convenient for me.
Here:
5 h 17 min
